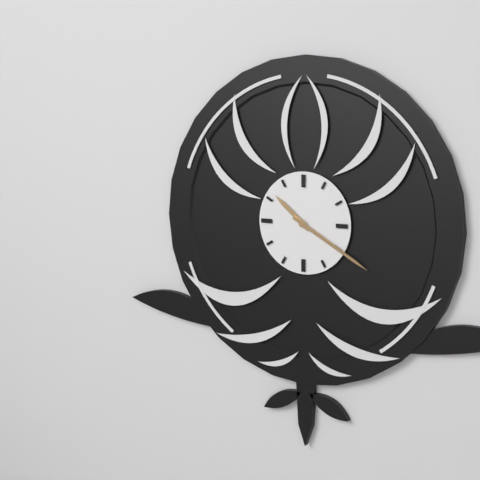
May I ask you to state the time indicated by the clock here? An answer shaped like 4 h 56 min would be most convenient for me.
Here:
10 h 20 min
